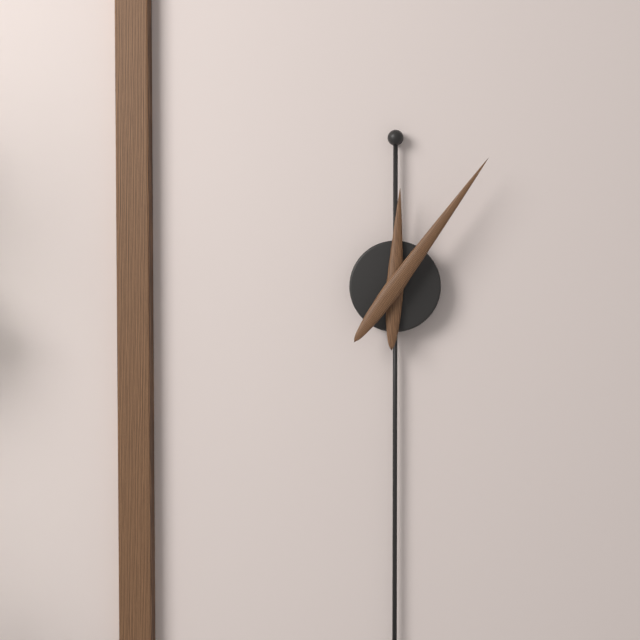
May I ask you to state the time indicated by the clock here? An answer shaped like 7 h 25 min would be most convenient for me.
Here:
12 h 06 min
